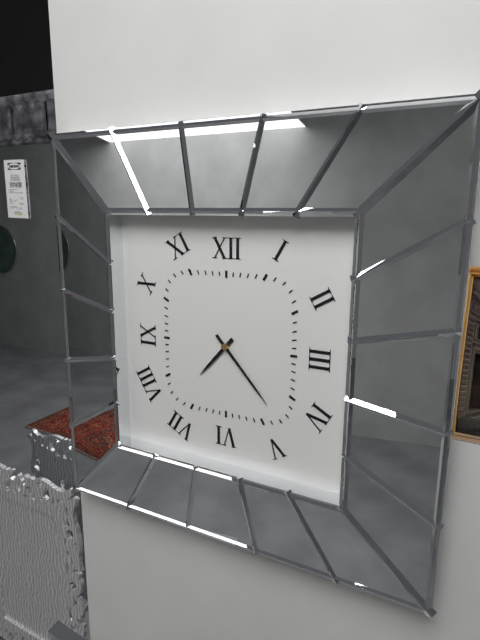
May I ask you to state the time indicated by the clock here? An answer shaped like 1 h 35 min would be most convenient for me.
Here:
7 h 23 min
